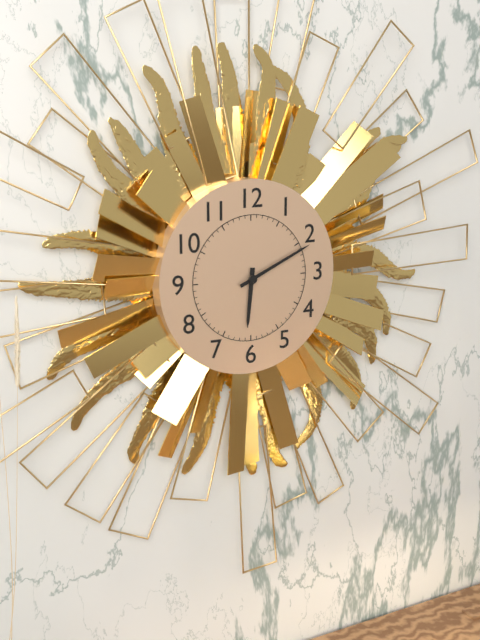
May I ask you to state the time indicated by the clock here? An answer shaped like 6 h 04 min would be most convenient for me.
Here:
6 h 11 min
